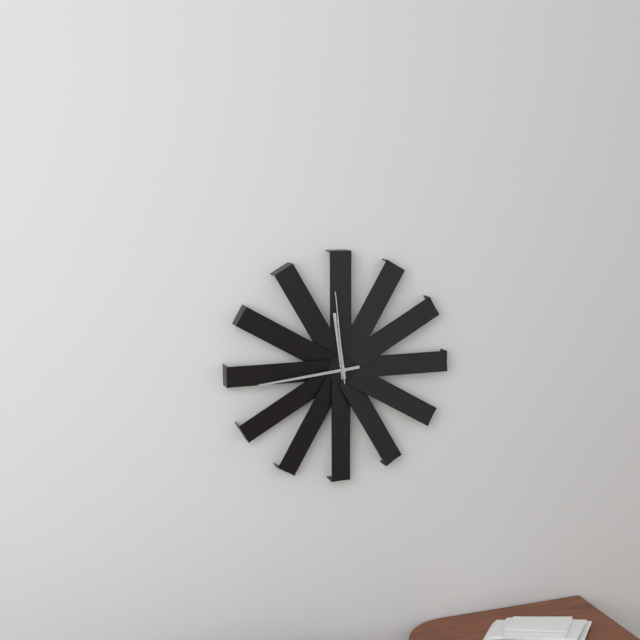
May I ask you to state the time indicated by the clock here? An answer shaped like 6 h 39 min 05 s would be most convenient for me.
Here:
11 h 44 min 59 s
